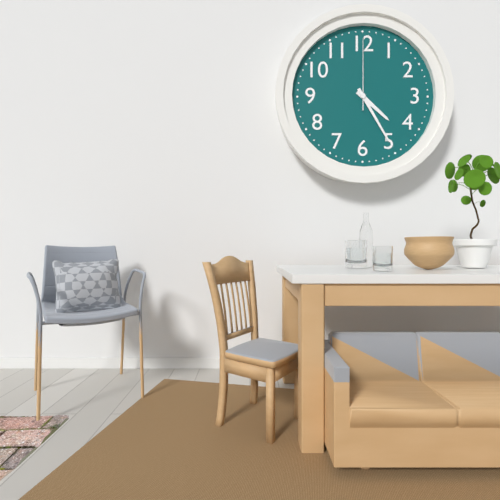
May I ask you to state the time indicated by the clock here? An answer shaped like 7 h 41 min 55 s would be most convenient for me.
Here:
4 h 25 min 00 s
